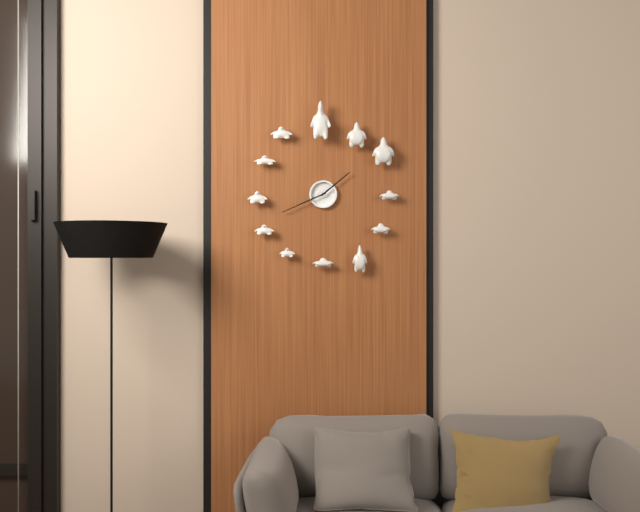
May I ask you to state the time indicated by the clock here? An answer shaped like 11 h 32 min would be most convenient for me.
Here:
1 h 41 min
